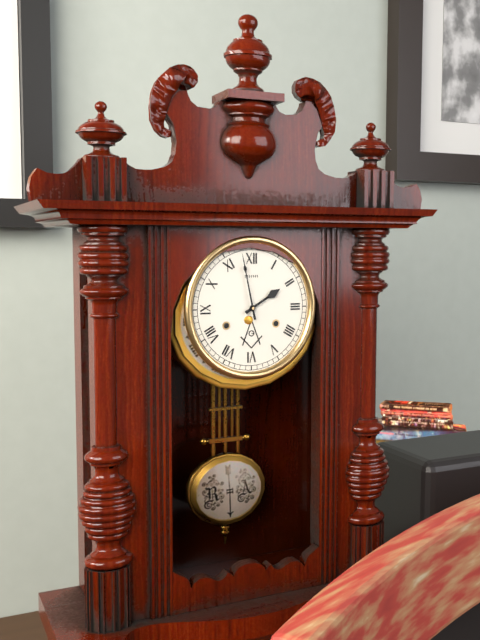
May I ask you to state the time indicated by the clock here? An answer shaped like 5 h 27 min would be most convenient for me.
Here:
1 h 58 min
